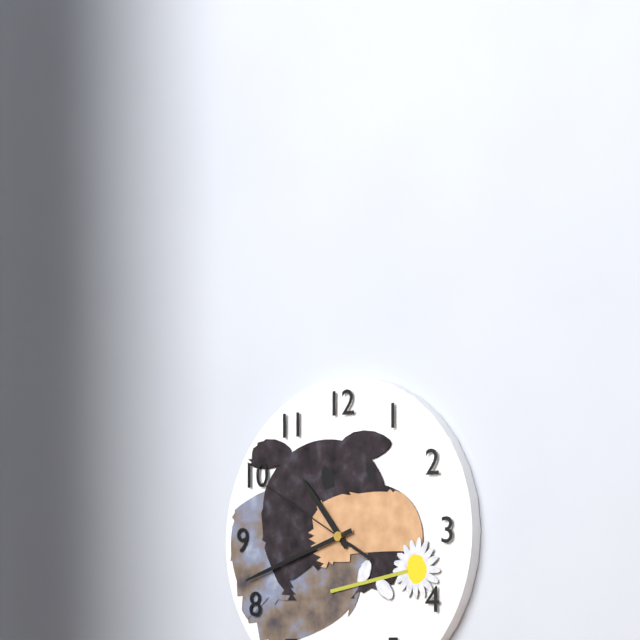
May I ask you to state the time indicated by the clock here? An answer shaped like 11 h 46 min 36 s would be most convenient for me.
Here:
10 h 42 min 50 s
